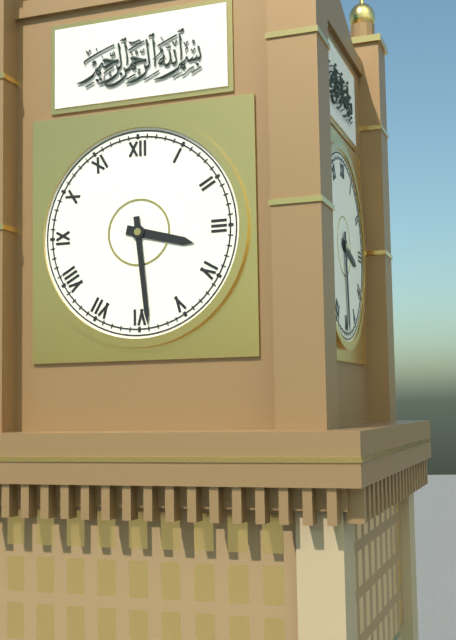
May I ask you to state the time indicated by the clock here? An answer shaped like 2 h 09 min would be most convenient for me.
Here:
3 h 29 min
